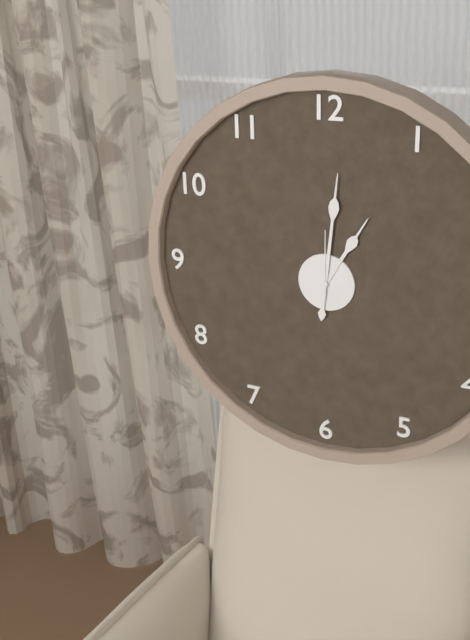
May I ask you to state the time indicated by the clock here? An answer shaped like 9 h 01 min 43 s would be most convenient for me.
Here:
1 h 01 min 00 s
